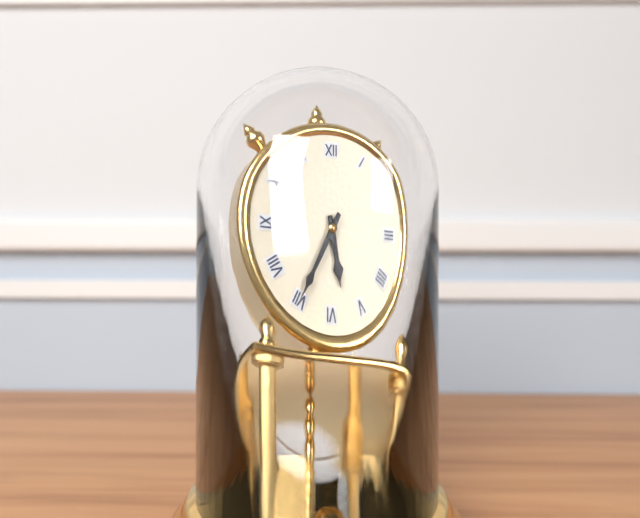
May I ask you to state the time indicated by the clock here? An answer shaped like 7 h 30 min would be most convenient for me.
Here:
5 h 35 min
